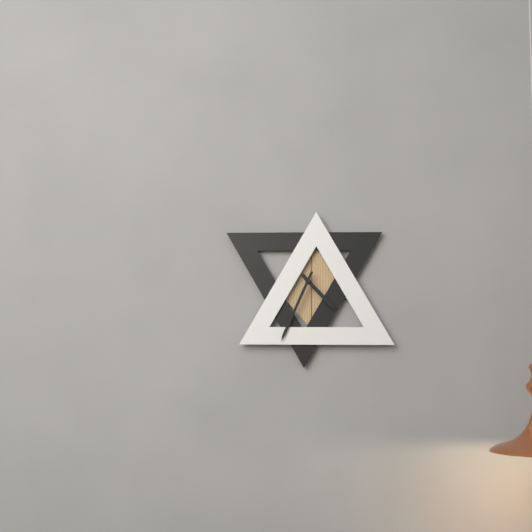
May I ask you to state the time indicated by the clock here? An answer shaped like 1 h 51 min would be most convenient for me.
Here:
4 h 34 min
